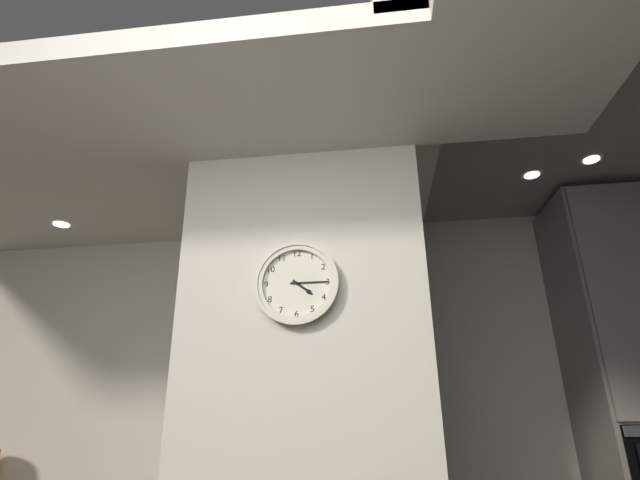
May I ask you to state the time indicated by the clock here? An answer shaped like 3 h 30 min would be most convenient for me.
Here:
4 h 15 min
